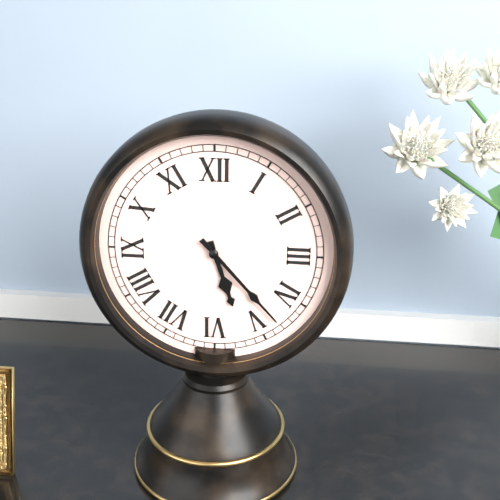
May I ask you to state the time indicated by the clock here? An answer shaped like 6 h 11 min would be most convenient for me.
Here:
5 h 23 min
